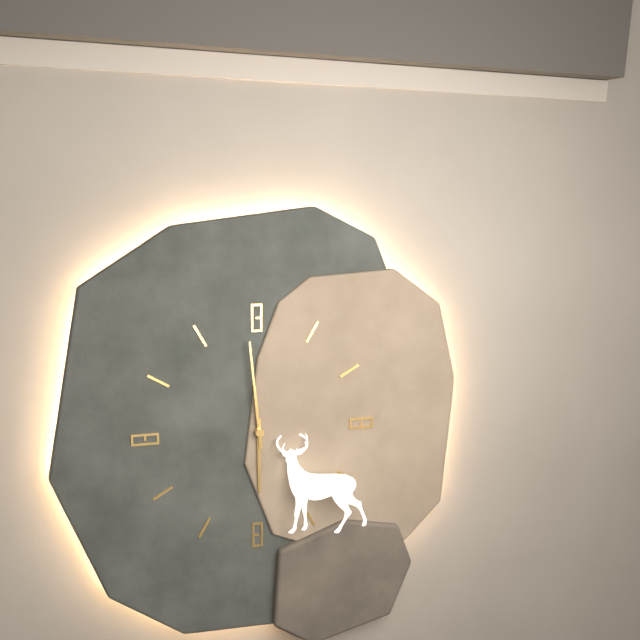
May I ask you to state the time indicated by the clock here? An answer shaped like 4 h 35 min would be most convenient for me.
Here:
5 h 59 min
